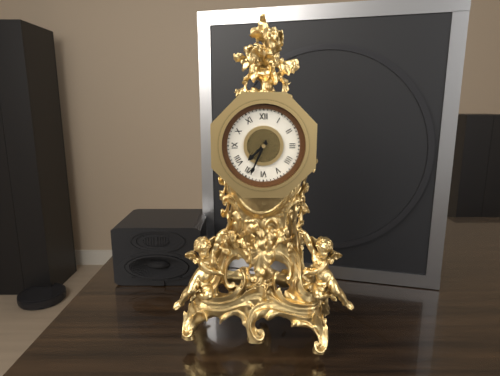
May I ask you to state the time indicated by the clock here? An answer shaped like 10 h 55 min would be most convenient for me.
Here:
7 h 34 min
